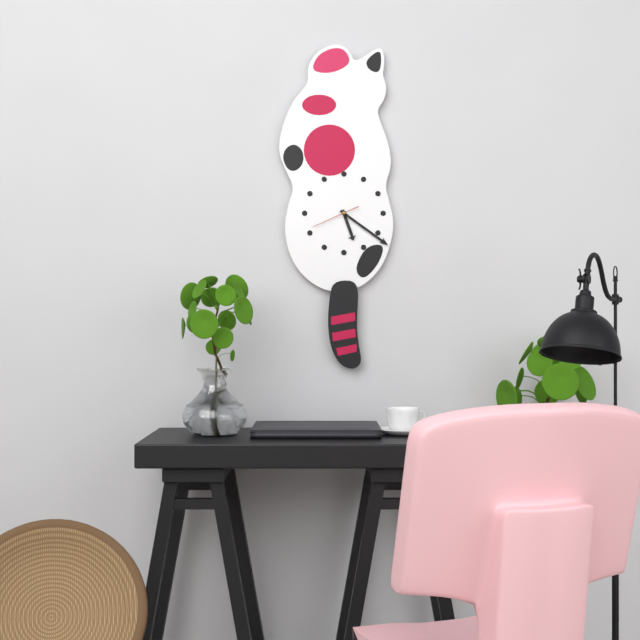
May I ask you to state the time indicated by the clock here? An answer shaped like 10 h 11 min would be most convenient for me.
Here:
5 h 21 min
